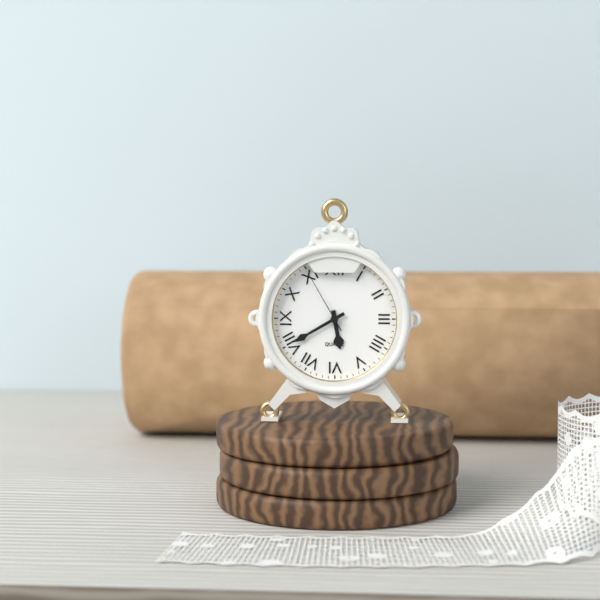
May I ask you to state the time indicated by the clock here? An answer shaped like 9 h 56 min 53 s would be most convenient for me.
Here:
5 h 40 min 55 s
